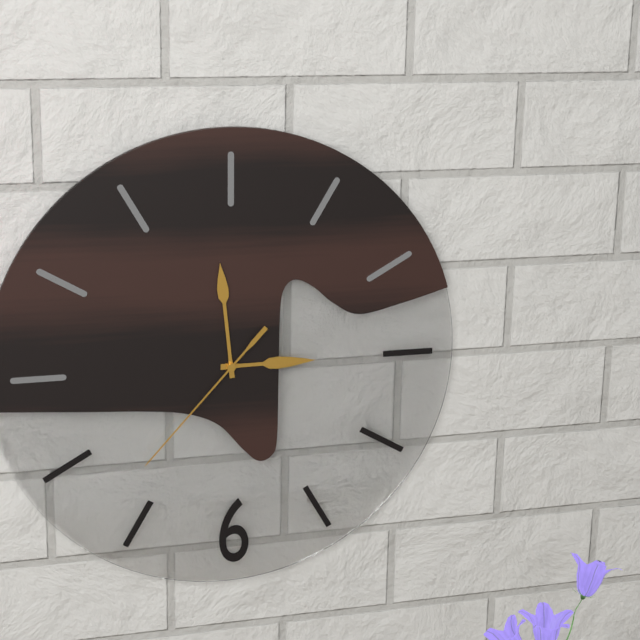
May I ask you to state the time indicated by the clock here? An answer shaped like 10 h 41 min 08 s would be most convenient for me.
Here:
2 h 59 min 37 s
